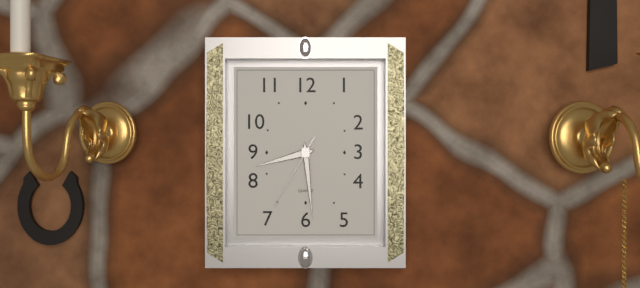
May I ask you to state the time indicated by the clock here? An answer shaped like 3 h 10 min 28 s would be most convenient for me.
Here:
8 h 29 min 35 s
